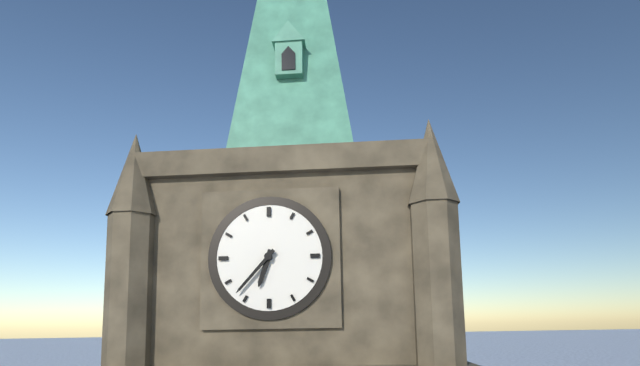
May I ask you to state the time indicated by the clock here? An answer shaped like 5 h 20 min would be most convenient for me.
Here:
6 h 37 min
